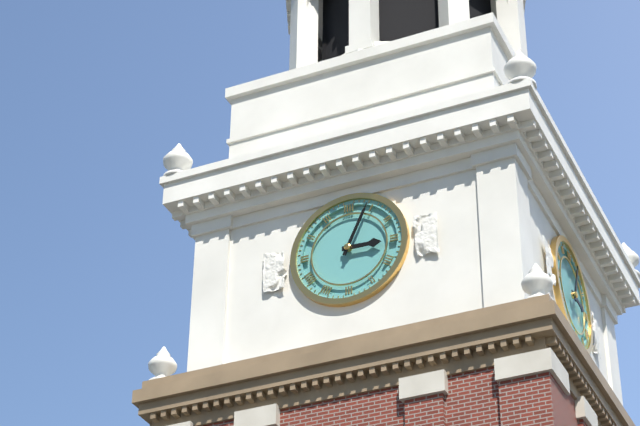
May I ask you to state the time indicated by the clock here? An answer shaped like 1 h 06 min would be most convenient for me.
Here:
3 h 04 min
